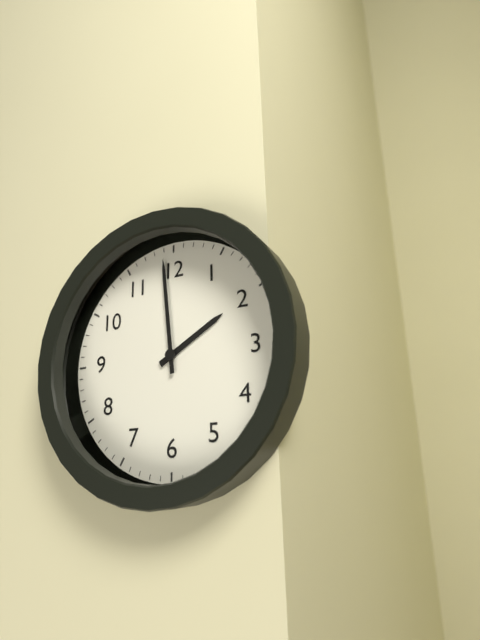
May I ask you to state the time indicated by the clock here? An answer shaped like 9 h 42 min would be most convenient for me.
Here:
1 h 59 min
